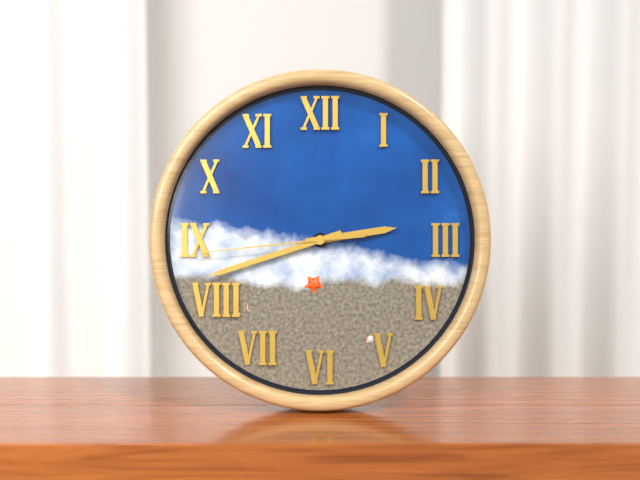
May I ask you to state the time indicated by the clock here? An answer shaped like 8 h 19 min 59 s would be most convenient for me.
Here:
2 h 42 min 44 s
